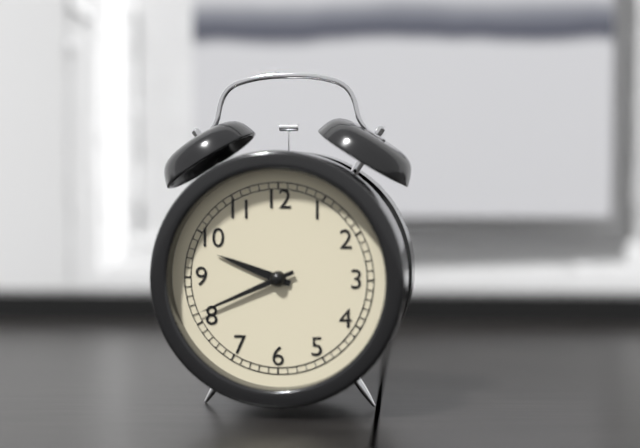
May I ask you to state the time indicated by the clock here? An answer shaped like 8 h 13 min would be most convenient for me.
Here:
9 h 41 min
